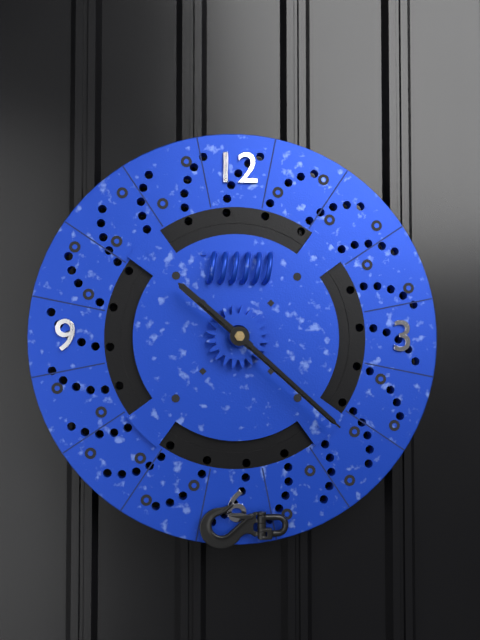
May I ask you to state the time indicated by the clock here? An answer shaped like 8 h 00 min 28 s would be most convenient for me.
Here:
10 h 22 min 22 s
